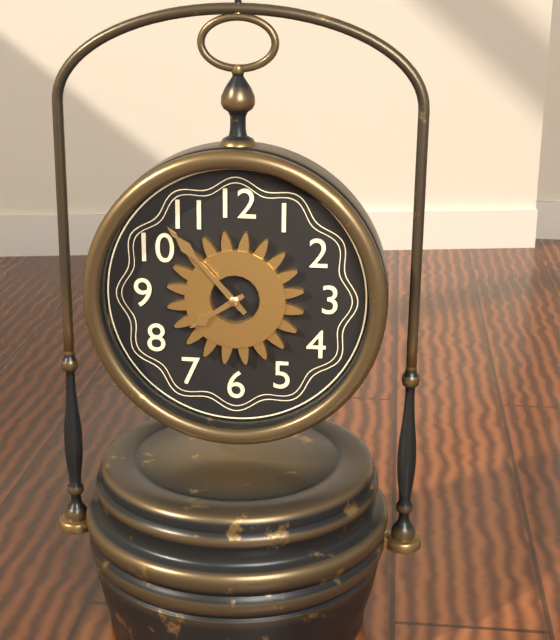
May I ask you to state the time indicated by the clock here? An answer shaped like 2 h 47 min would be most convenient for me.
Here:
7 h 53 min
